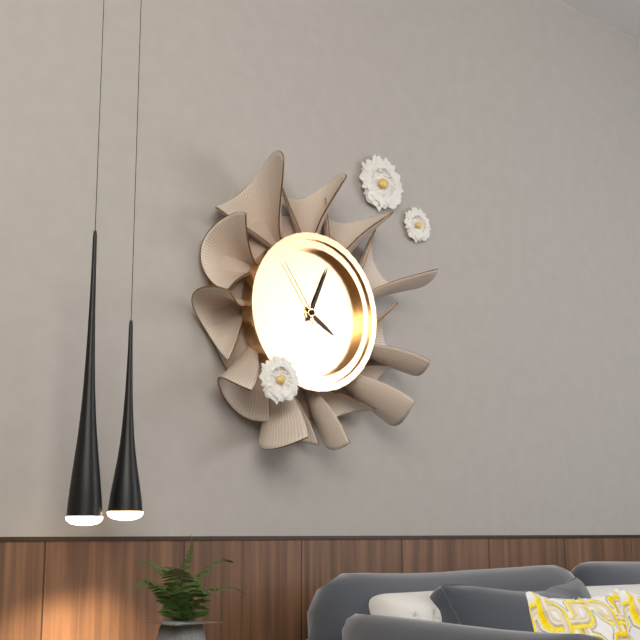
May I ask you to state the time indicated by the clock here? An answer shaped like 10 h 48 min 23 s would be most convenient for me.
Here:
4 h 04 min 54 s
